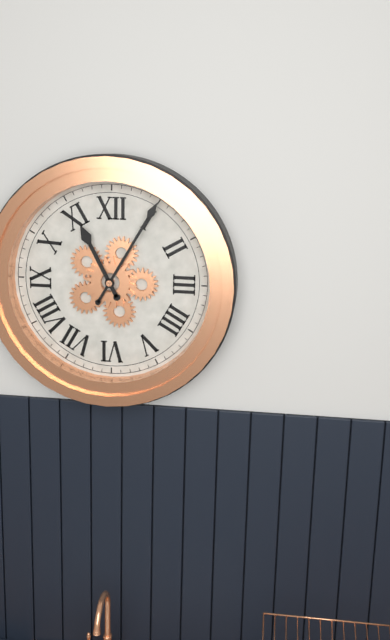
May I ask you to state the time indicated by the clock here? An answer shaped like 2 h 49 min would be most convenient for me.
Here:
11 h 05 min
